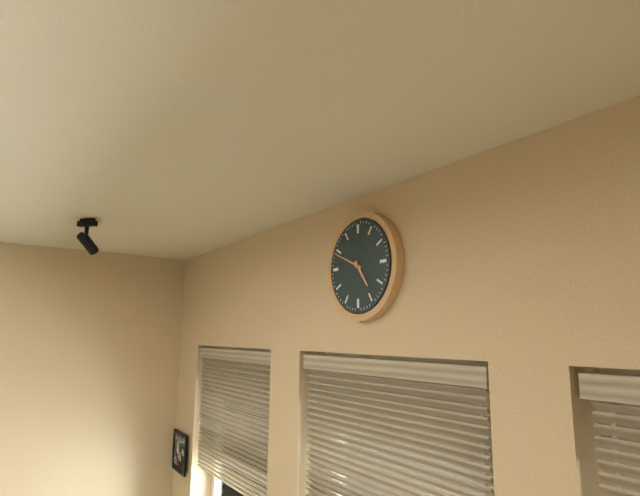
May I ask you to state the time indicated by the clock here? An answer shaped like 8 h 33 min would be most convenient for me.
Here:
4 h 49 min
